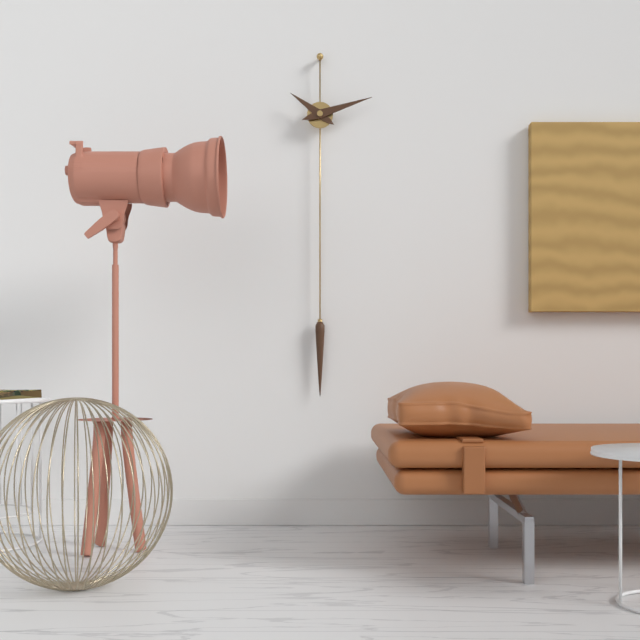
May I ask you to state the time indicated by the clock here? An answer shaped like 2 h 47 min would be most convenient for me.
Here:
10 h 12 min
